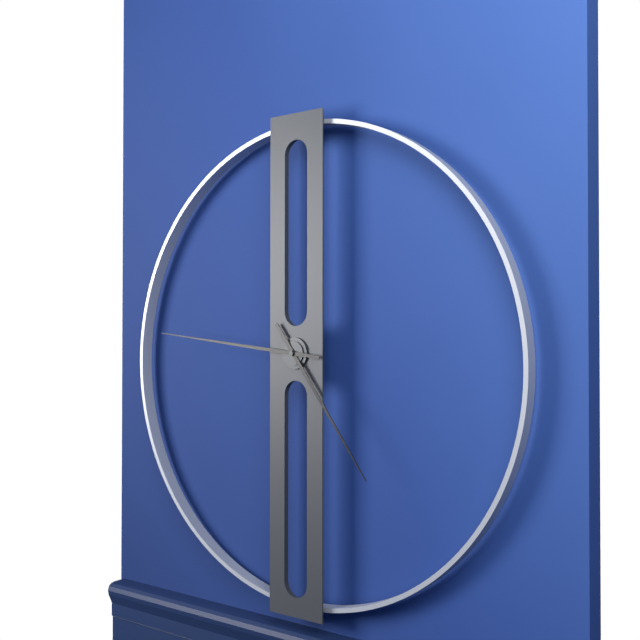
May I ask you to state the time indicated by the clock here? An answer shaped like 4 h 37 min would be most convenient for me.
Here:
4 h 46 min
